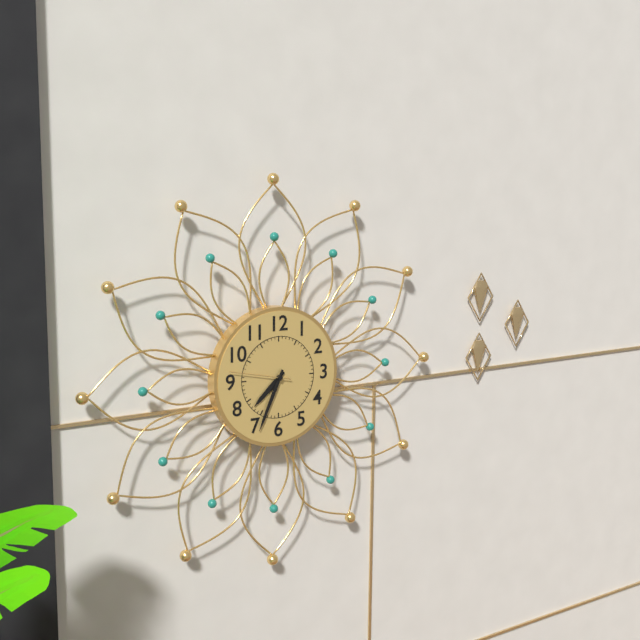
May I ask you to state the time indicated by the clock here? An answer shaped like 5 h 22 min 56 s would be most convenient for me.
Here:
7 h 34 min 47 s
